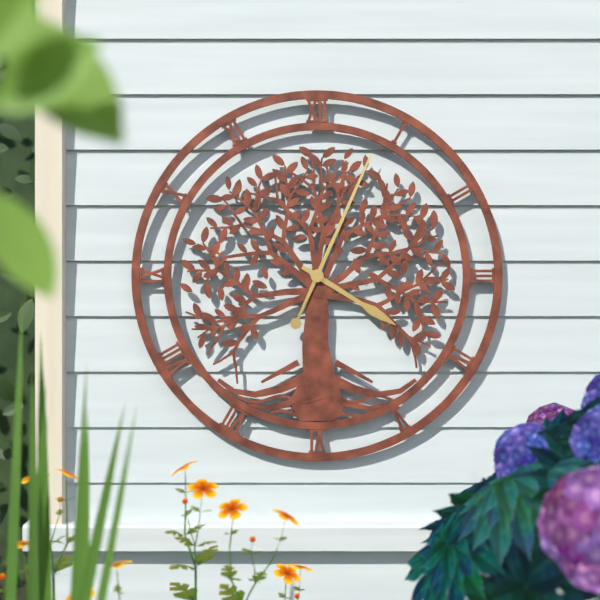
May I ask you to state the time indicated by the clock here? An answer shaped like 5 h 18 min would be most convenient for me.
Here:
4 h 04 min
